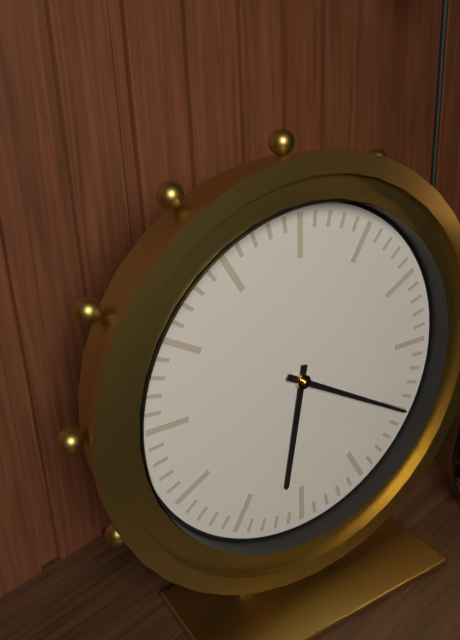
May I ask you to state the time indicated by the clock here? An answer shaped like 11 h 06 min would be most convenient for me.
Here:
6 h 20 min
